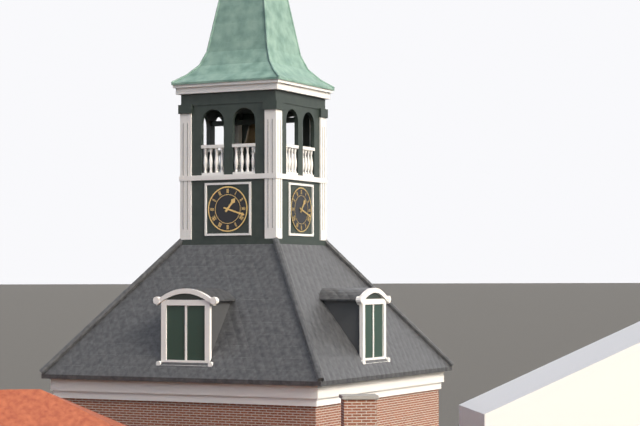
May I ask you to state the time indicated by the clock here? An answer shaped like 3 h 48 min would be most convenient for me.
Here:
1 h 18 min
